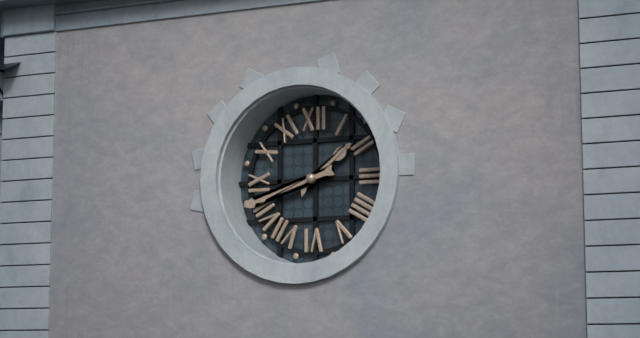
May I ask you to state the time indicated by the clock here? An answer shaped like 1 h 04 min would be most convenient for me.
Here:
1 h 42 min
